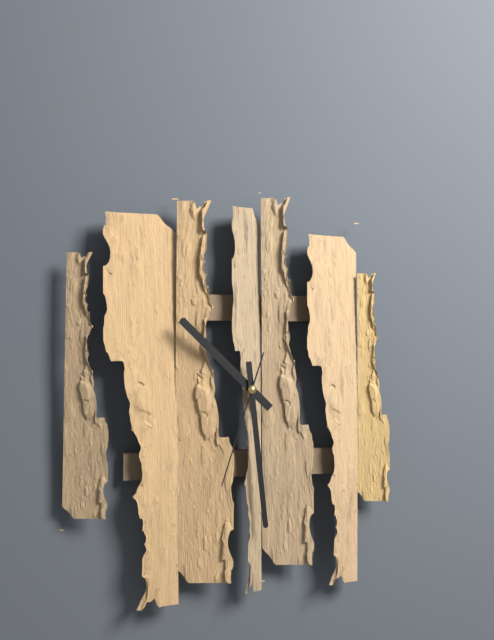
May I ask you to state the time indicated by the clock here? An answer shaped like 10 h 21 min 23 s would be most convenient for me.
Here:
10 h 29 min 33 s
